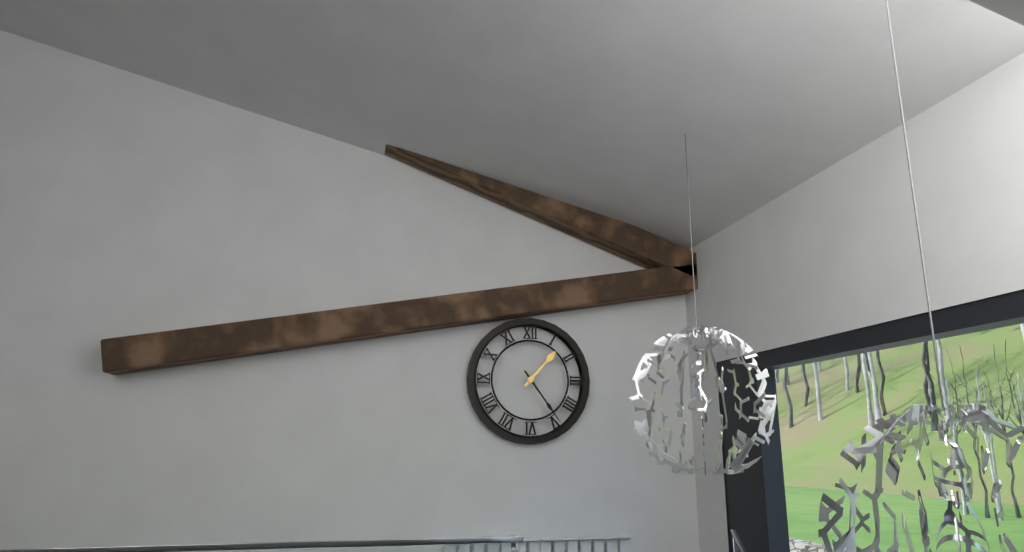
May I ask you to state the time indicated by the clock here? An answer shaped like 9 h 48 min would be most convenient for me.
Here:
1 h 24 min
